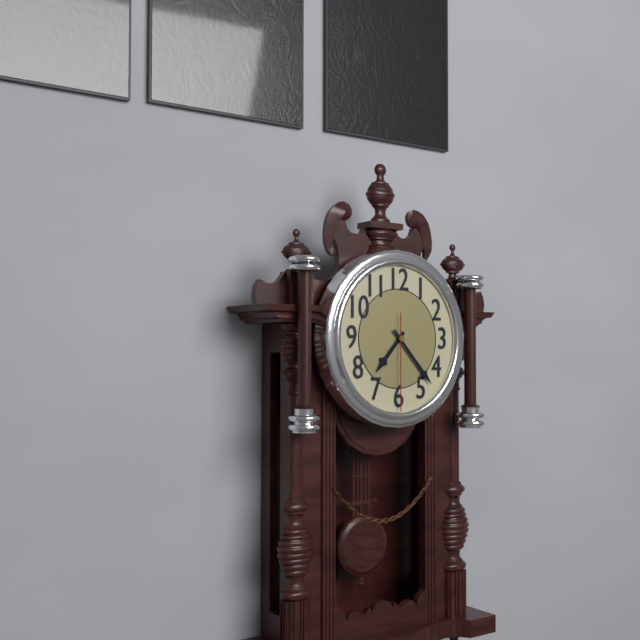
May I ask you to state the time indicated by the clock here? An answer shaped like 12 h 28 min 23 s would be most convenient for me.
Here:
7 h 23 min 30 s
